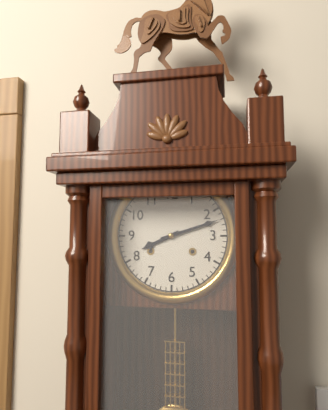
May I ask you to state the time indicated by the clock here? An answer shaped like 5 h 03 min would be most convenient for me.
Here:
8 h 12 min
